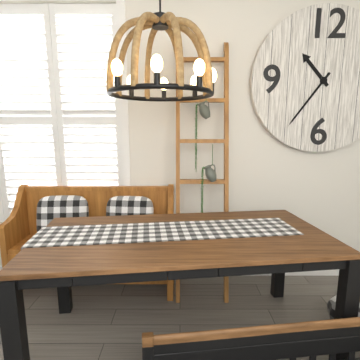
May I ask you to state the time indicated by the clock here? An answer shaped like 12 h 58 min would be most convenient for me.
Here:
10 h 36 min
